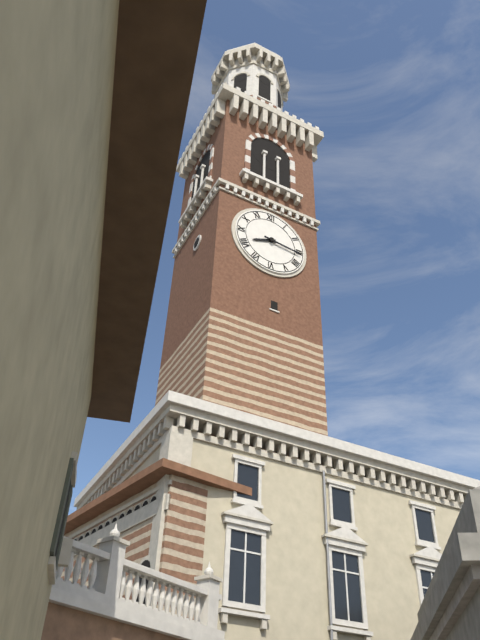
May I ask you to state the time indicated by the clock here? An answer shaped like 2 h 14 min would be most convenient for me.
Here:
8 h 16 min
